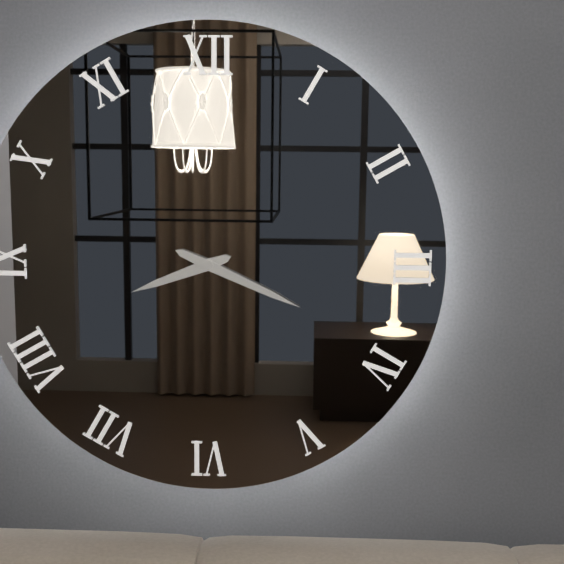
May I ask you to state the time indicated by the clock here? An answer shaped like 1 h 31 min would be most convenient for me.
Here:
8 h 19 min
